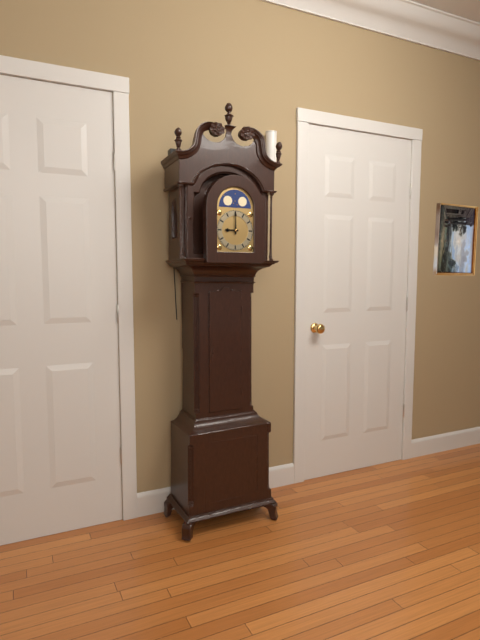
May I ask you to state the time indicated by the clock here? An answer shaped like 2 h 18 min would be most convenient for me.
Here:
9 h 00 min
